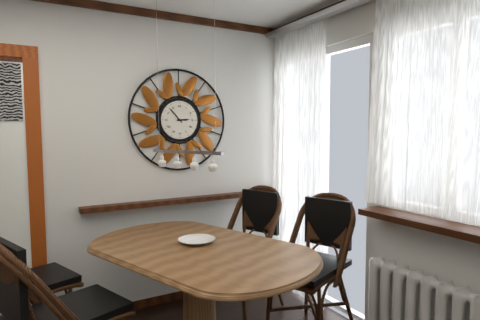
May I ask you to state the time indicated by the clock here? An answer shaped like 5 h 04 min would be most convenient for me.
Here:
2 h 53 min
